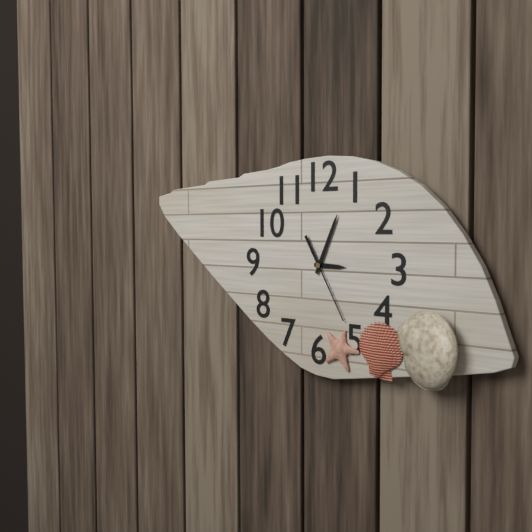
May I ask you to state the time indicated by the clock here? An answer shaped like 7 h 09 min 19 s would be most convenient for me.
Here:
3 h 04 min 25 s
